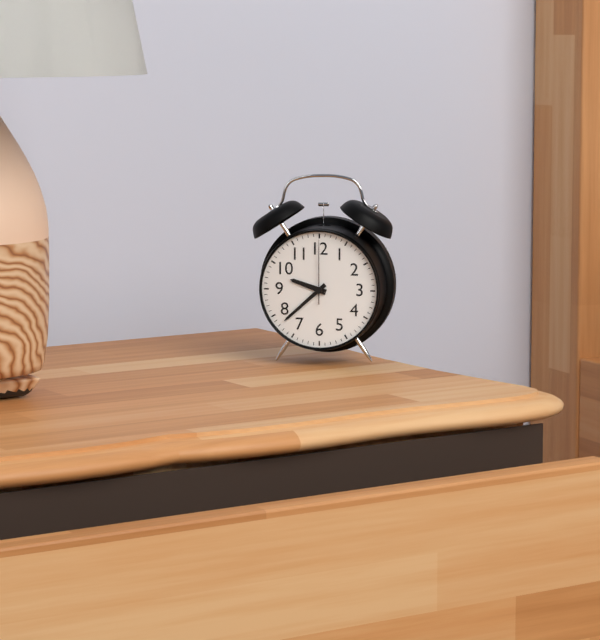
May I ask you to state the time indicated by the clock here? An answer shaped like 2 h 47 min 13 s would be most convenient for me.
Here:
9 h 38 min 00 s
